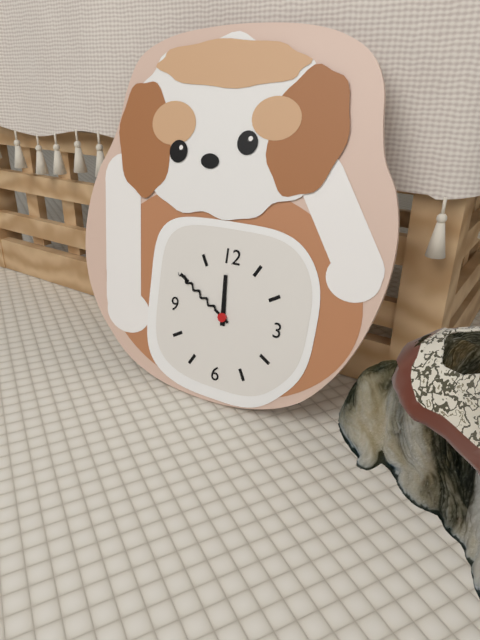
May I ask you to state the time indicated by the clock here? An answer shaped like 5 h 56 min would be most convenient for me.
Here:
11 h 50 min
